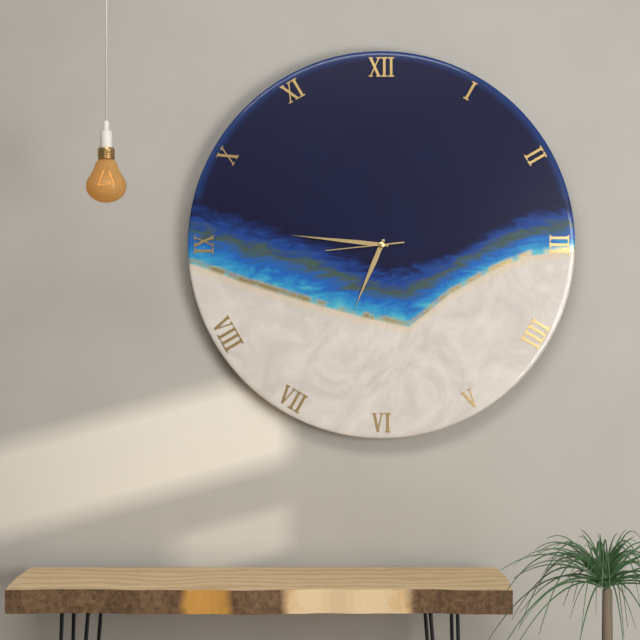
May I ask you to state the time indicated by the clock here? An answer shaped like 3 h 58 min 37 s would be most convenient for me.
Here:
6 h 46 min 44 s
